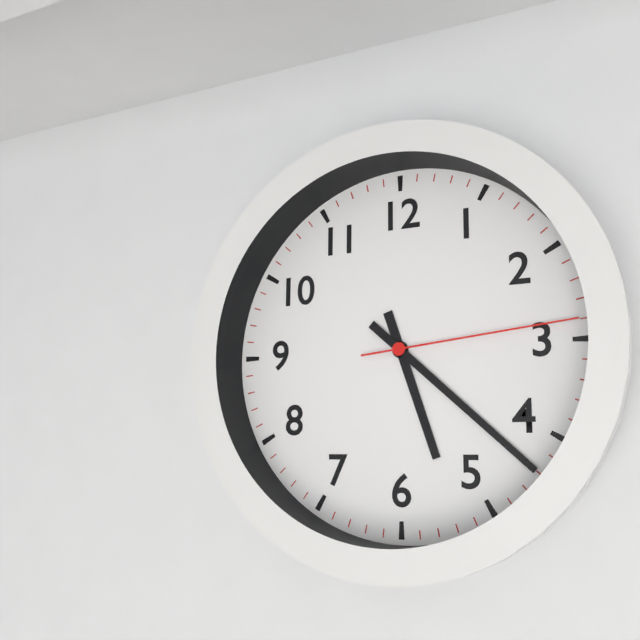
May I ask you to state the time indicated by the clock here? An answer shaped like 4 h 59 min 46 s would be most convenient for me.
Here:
5 h 22 min 14 s
